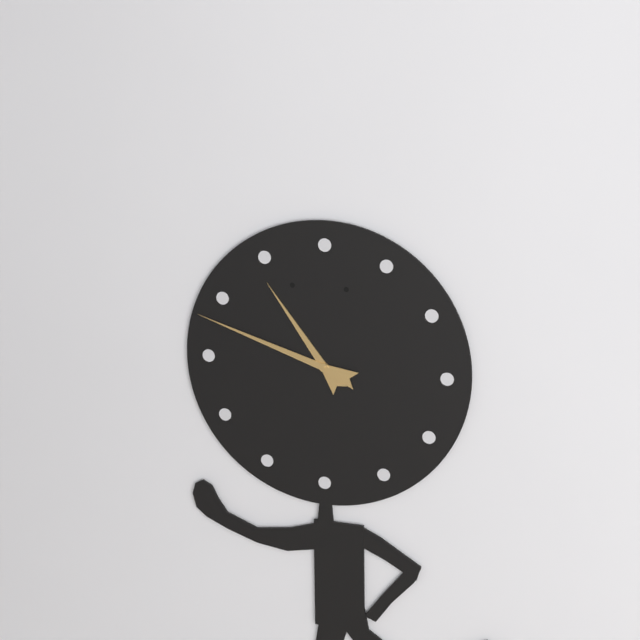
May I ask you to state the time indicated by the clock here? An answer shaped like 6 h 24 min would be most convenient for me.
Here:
10 h 48 min
